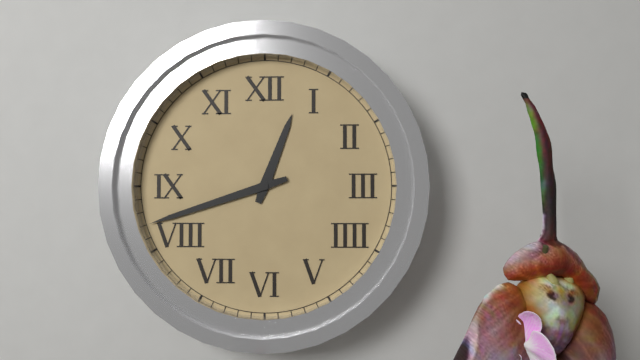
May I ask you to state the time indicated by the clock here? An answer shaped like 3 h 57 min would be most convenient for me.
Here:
12 h 42 min
